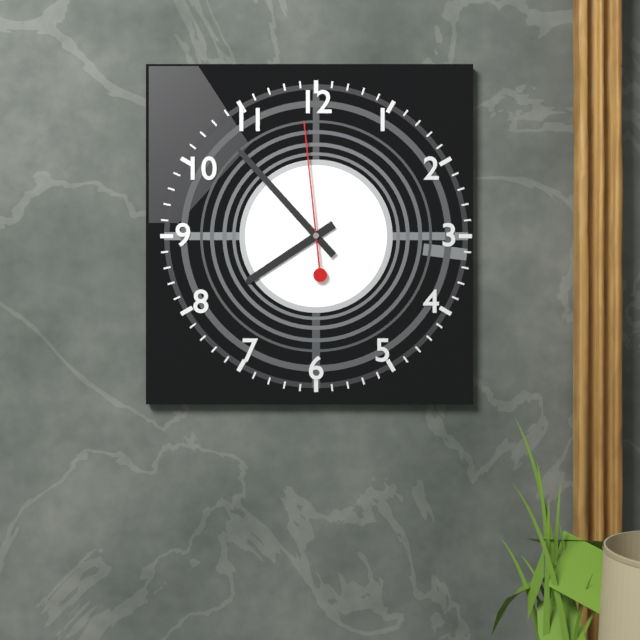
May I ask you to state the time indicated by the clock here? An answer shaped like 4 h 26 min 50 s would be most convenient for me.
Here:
7 h 53 min 59 s
